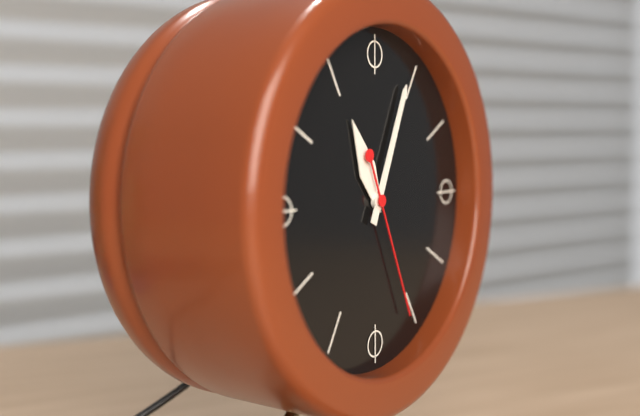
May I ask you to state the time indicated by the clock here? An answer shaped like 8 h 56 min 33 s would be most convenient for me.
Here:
11 h 04 min 26 s
